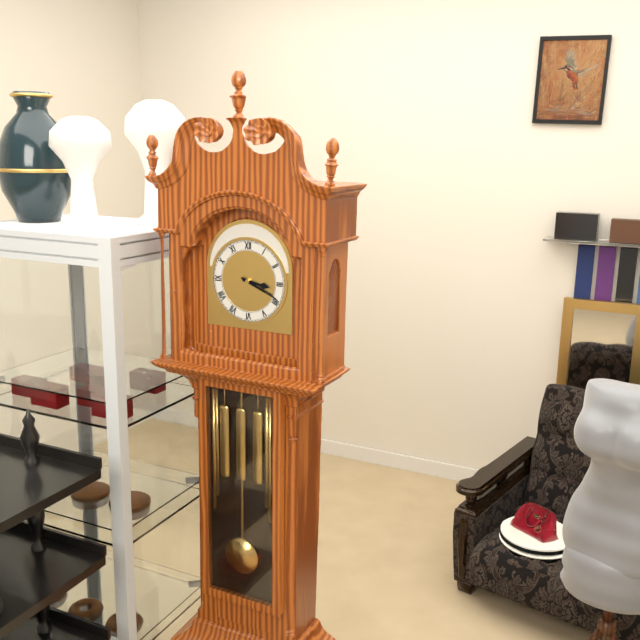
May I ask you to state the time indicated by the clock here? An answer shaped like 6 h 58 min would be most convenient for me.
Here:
3 h 19 min
